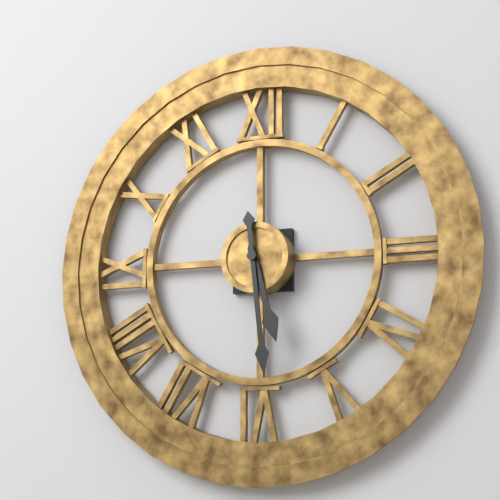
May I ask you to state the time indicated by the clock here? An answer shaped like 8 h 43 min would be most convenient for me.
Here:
5 h 29 min
